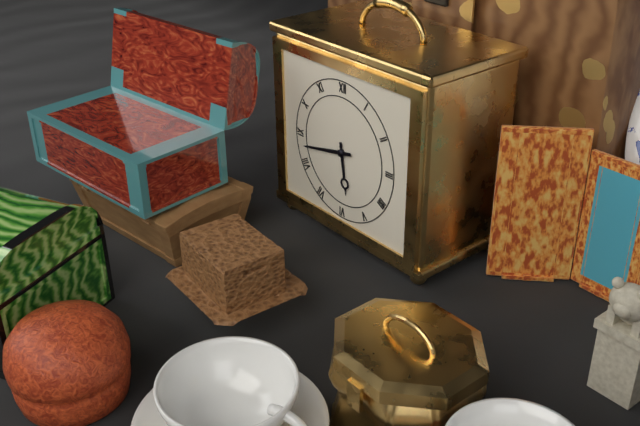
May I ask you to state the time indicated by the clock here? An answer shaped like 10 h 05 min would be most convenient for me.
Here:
5 h 43 min
